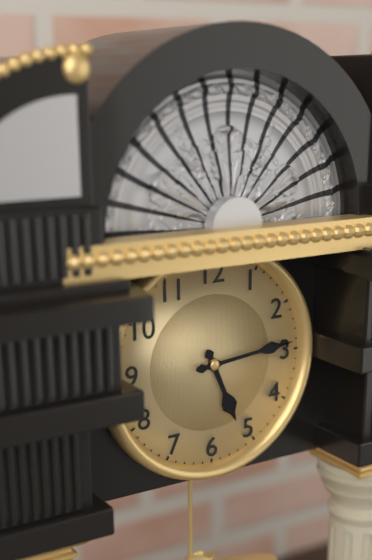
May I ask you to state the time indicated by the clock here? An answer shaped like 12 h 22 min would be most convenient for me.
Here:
5 h 14 min
